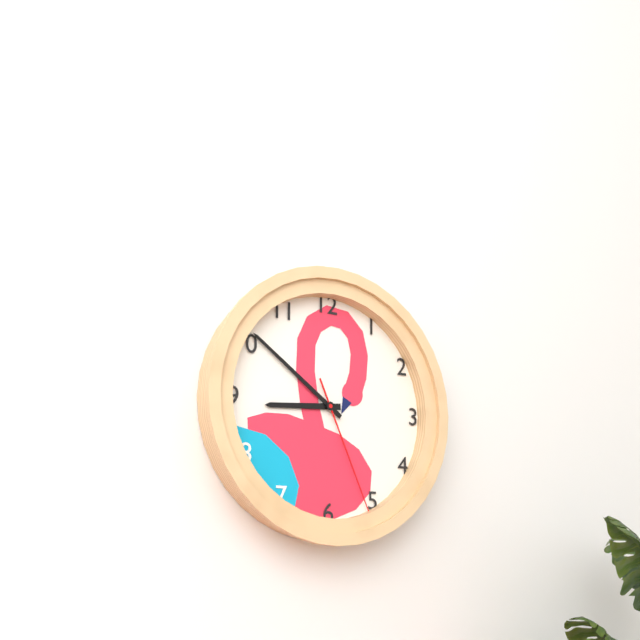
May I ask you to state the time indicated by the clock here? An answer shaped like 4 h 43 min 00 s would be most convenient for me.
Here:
8 h 51 min 26 s
